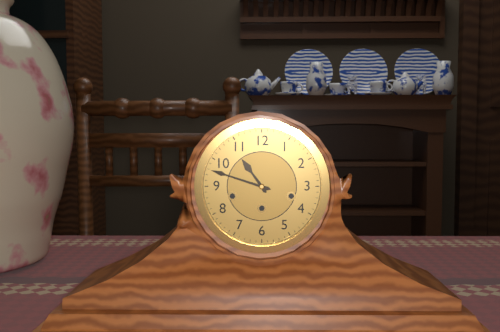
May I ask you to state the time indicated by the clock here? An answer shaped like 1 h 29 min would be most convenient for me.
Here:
10 h 48 min
